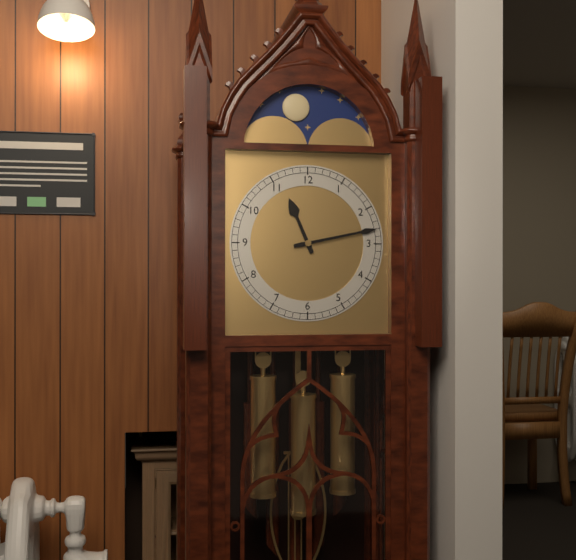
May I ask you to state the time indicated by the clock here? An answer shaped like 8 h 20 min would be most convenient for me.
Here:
11 h 13 min
